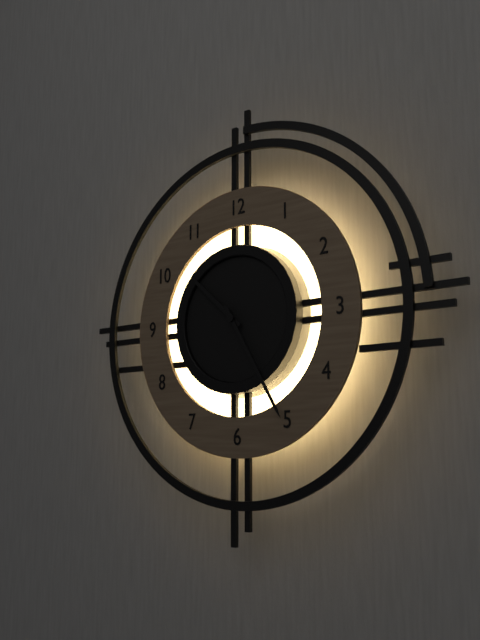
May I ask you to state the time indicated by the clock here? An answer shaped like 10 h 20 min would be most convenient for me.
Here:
10 h 25 min
